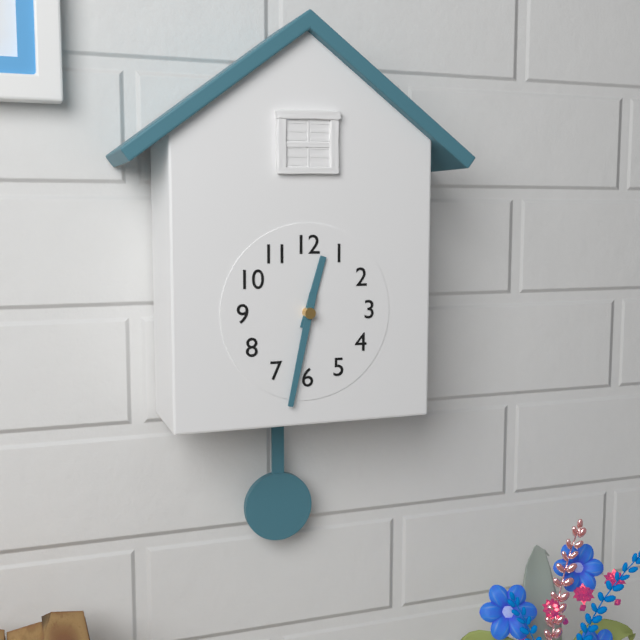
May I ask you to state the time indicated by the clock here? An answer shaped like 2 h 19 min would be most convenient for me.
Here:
12 h 32 min
